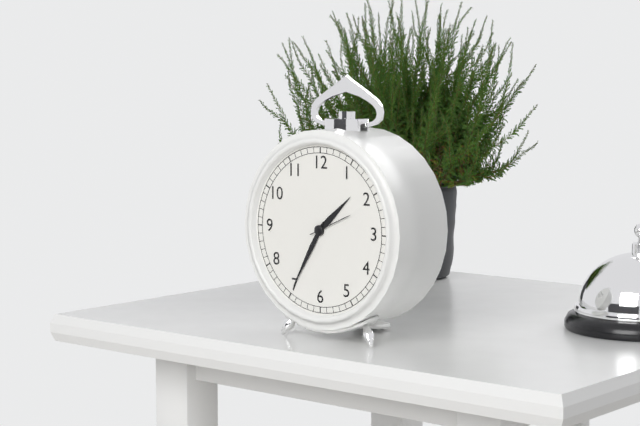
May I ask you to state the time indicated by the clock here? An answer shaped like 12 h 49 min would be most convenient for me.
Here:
1 h 35 min
